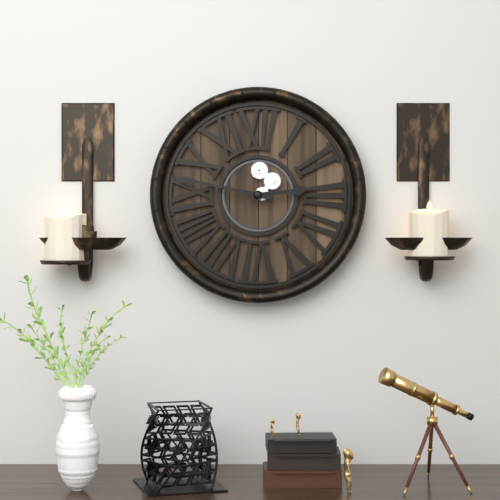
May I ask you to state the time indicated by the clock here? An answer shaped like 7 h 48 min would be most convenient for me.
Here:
2 h 47 min
